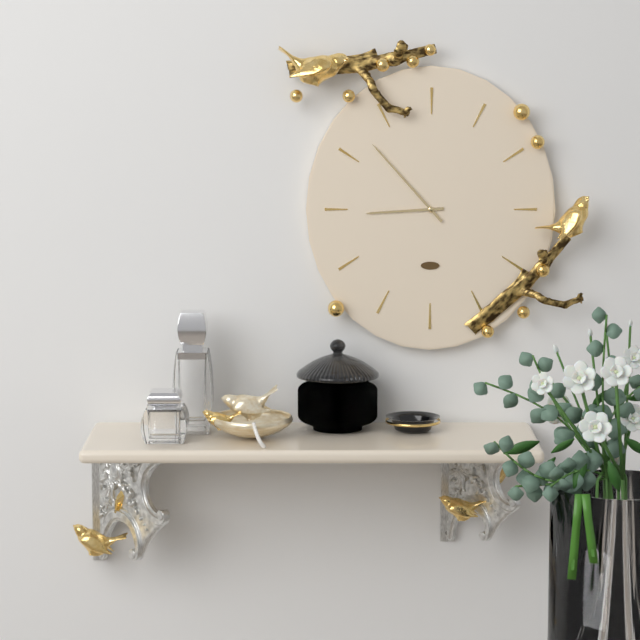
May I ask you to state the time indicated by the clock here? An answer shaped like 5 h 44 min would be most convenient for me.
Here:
8 h 53 min
